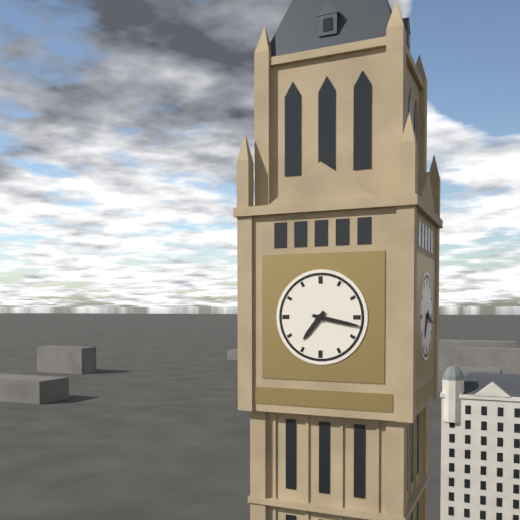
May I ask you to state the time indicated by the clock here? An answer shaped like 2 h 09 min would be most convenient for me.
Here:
7 h 17 min
